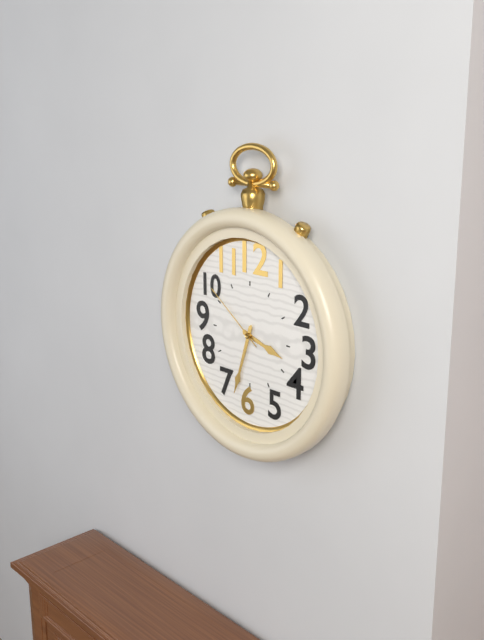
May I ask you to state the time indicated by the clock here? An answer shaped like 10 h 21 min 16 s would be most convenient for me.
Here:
3 h 33 min 51 s
